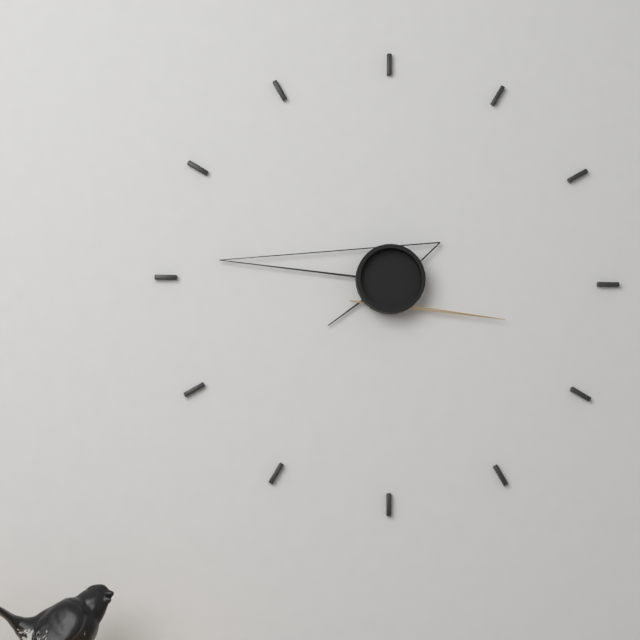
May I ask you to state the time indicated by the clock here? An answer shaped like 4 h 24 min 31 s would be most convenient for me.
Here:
7 h 46 min 18 s
